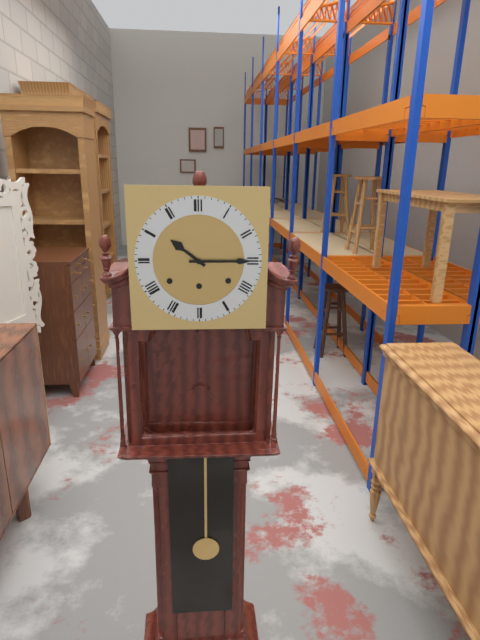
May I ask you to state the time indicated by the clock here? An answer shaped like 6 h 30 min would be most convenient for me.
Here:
10 h 15 min
